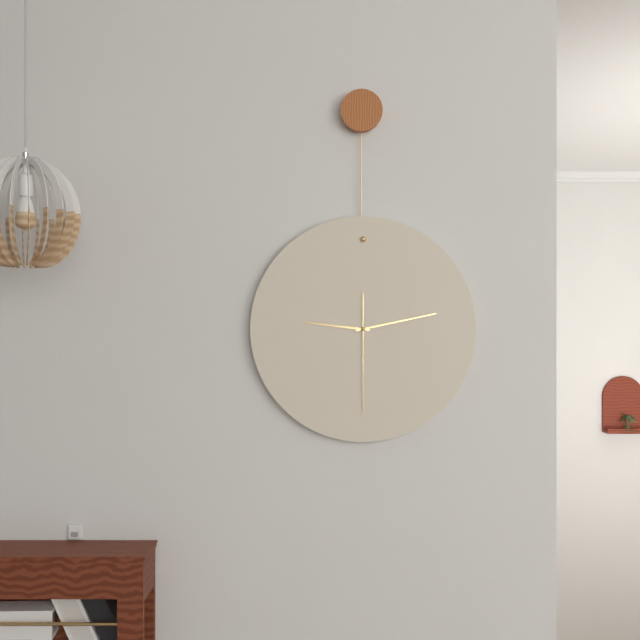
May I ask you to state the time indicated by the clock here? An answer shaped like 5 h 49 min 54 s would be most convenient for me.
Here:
9 h 13 min 30 s
